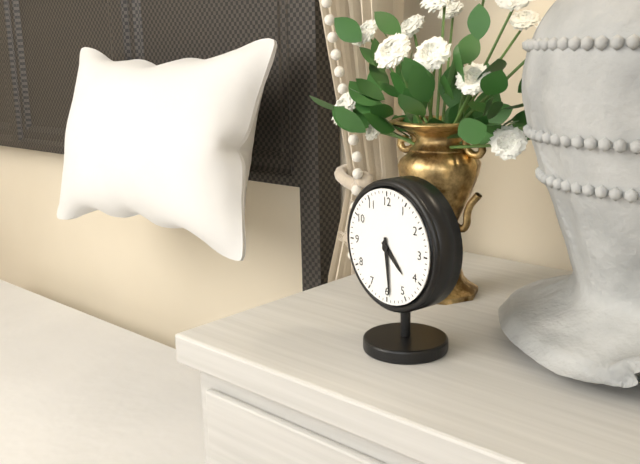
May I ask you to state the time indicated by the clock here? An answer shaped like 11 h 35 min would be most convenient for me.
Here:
4 h 29 min
